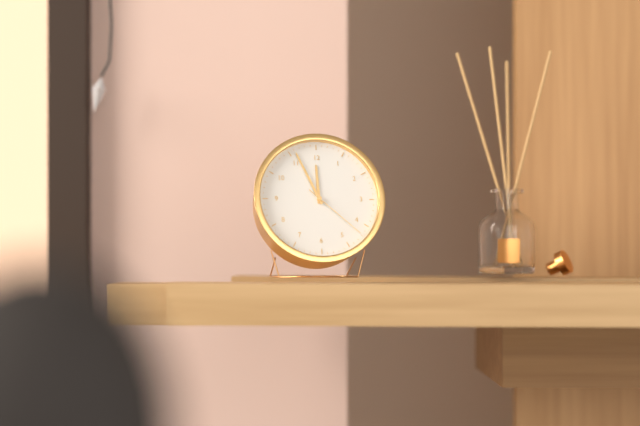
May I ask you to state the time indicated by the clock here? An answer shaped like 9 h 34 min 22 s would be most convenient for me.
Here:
11 h 56 min 22 s
